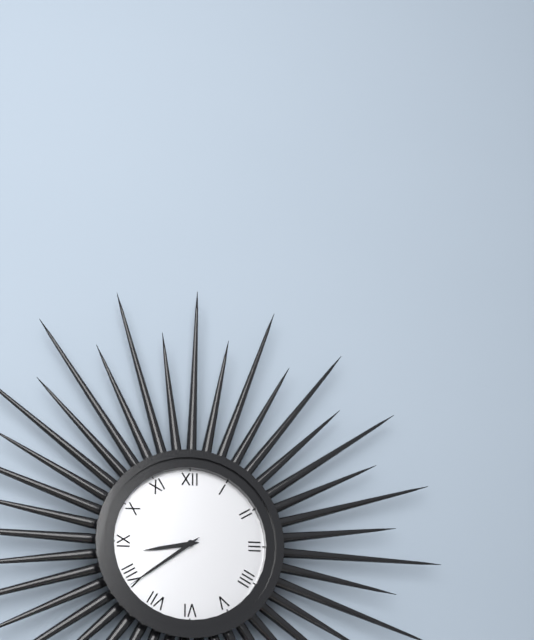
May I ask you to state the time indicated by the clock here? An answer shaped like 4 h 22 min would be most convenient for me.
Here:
8 h 39 min
